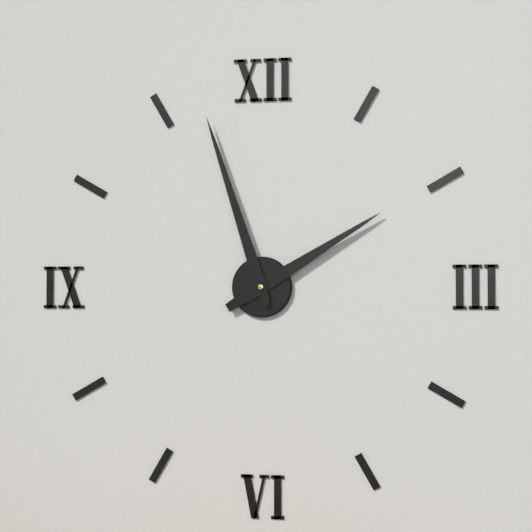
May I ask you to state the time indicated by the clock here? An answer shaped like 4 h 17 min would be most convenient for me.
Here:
1 h 57 min
